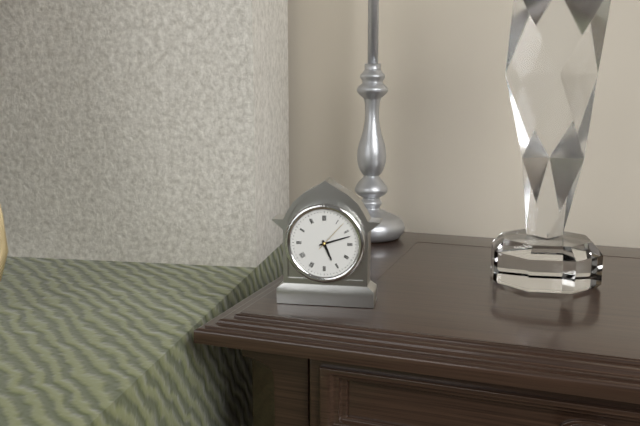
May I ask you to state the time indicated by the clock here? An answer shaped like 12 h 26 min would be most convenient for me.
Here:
5 h 12 min
